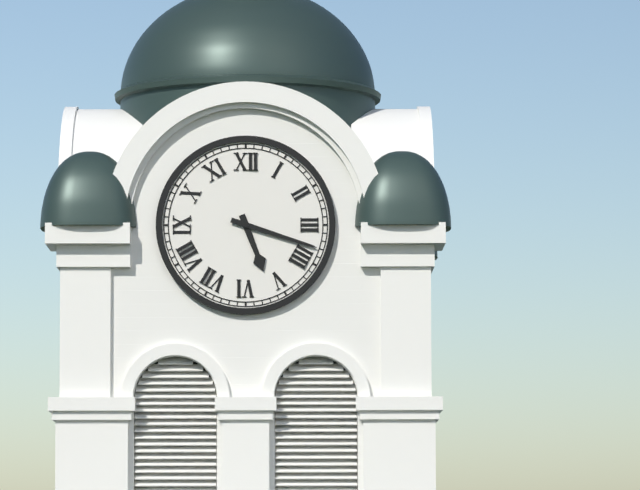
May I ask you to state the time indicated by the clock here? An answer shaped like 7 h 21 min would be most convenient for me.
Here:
5 h 18 min
